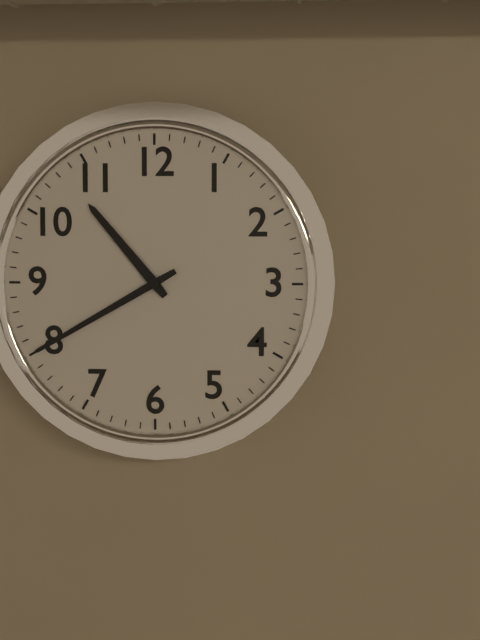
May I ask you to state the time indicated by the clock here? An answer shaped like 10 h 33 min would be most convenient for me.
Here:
10 h 40 min
